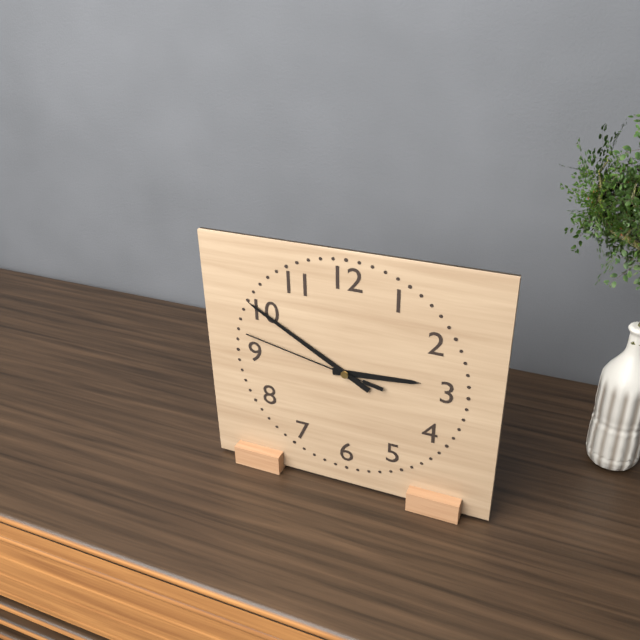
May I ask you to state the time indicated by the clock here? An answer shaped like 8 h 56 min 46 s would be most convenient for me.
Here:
2 h 50 min 47 s
